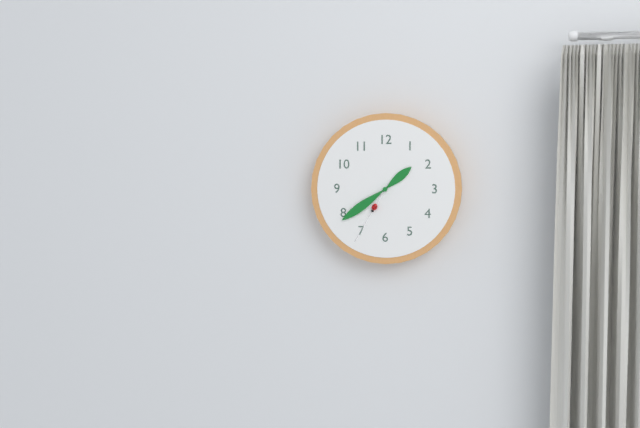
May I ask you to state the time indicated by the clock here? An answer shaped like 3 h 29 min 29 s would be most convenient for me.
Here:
1 h 39 min 35 s
